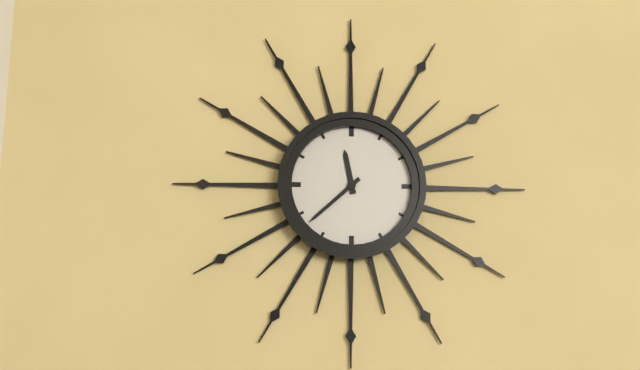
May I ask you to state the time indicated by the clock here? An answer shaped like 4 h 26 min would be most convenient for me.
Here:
11 h 38 min
